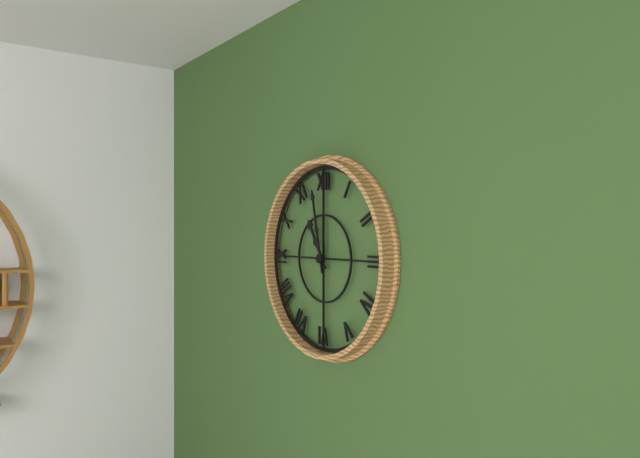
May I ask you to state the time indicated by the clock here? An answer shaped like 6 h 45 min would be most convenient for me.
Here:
10 h 58 min
